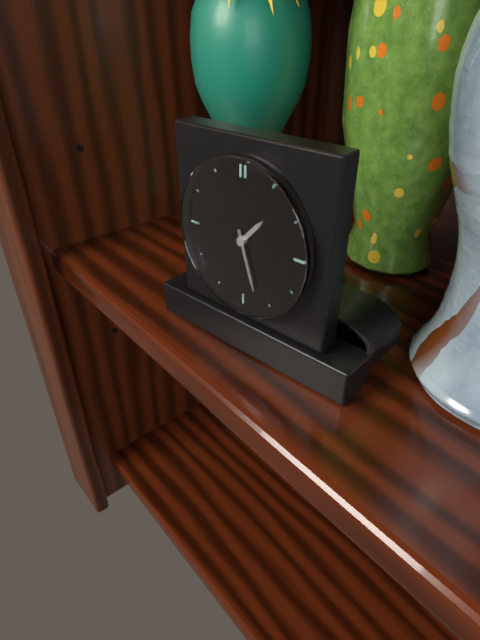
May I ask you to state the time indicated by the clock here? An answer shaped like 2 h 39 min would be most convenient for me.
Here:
1 h 27 min
